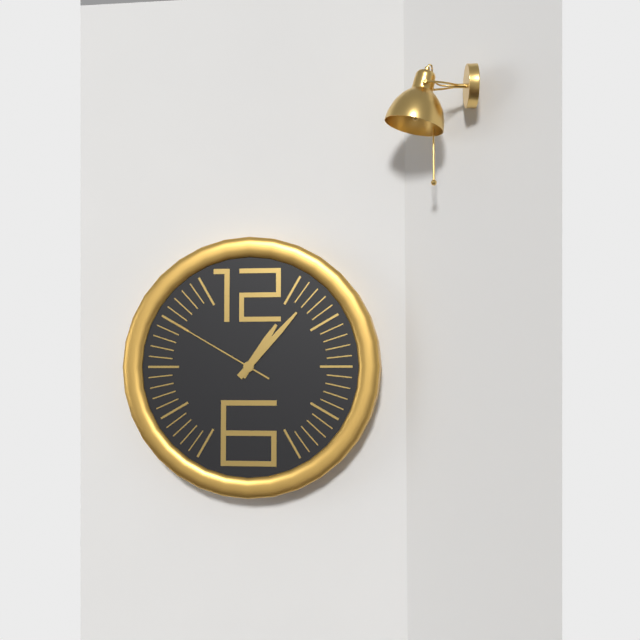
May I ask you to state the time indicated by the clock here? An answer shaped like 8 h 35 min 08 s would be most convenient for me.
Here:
1 h 07 min 50 s
